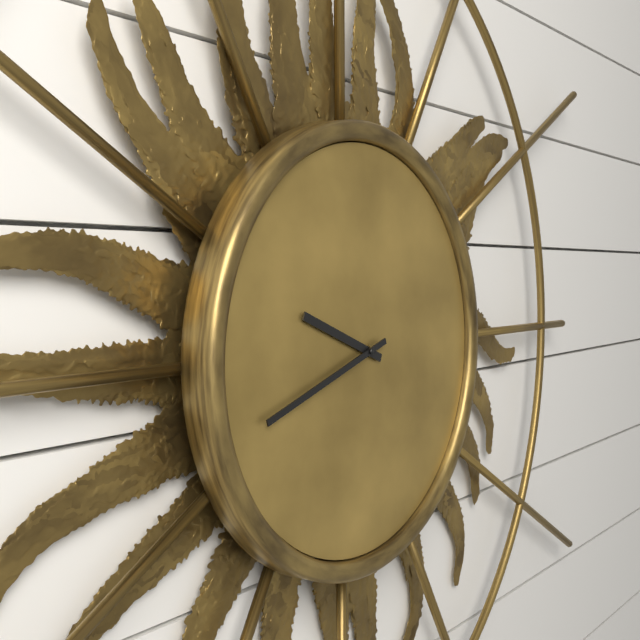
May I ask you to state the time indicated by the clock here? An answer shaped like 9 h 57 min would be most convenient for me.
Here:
9 h 42 min
